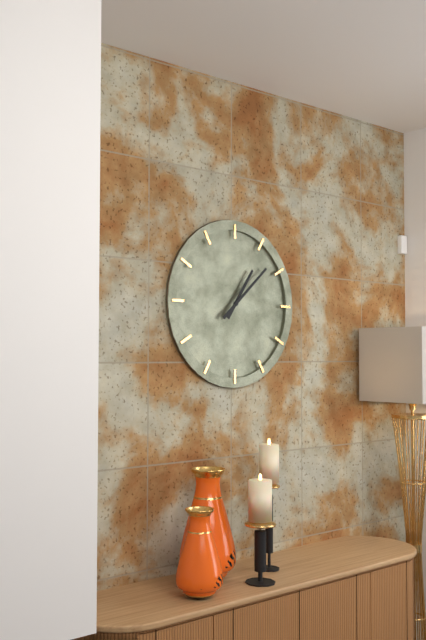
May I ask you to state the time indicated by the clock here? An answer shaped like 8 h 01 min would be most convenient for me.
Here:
1 h 08 min
